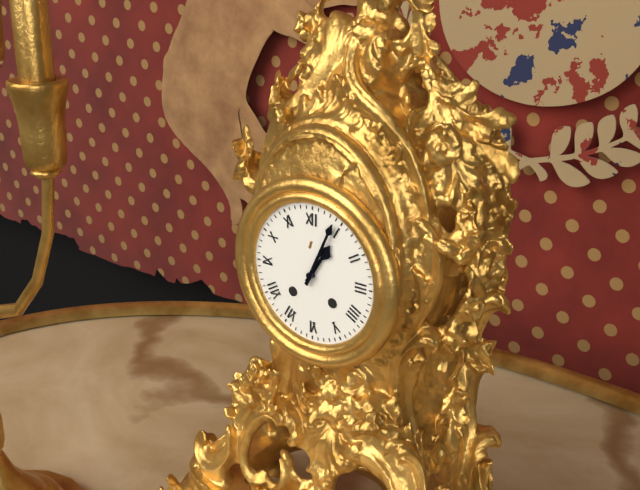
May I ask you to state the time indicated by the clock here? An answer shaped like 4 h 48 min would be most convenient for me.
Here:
1 h 04 min
